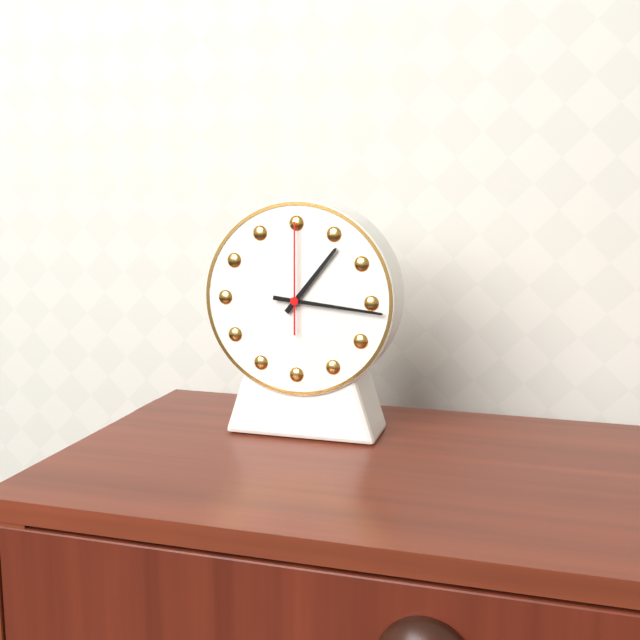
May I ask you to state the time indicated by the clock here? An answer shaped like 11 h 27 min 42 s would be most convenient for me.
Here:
1 h 16 min 00 s
